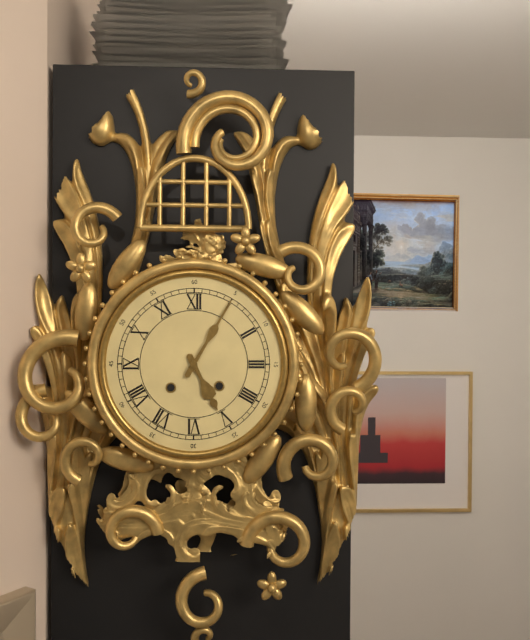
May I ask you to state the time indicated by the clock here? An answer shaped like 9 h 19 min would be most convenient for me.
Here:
5 h 05 min
